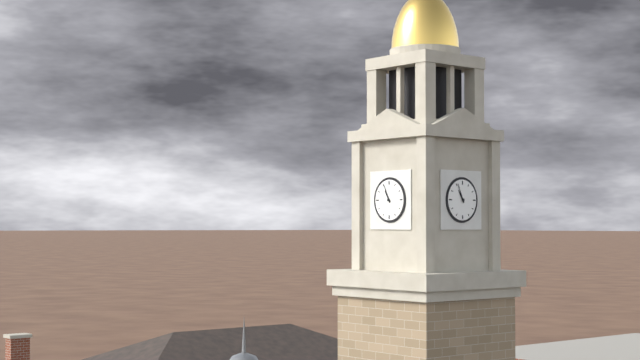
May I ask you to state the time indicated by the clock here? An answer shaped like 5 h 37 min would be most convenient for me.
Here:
10 h 56 min
